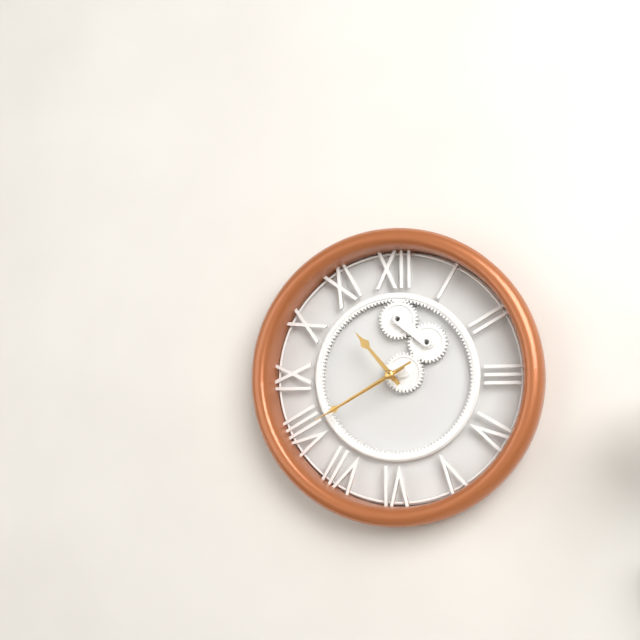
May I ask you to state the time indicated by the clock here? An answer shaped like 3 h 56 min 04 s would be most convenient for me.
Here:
10 h 40 min 40 s
